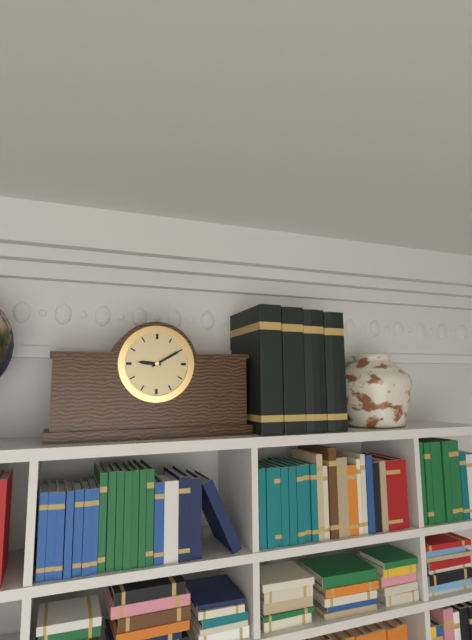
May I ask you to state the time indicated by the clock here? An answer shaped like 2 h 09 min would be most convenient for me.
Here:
9 h 10 min
